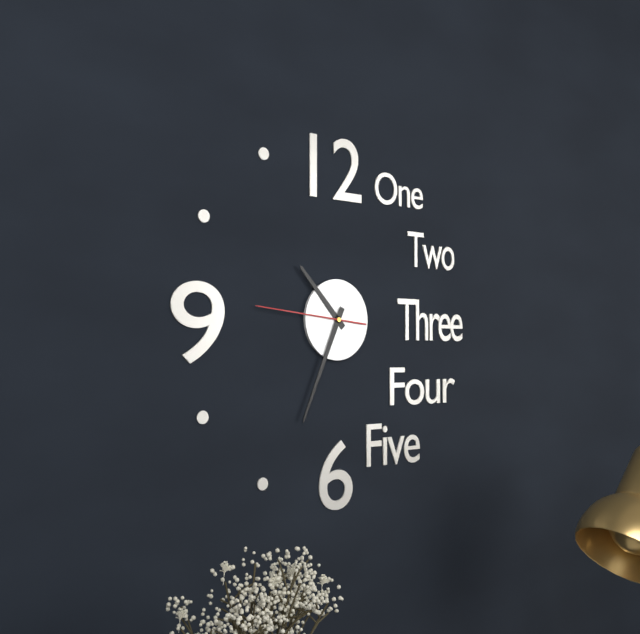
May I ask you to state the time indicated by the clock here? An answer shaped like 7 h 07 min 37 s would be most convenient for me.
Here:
10 h 34 min 46 s
